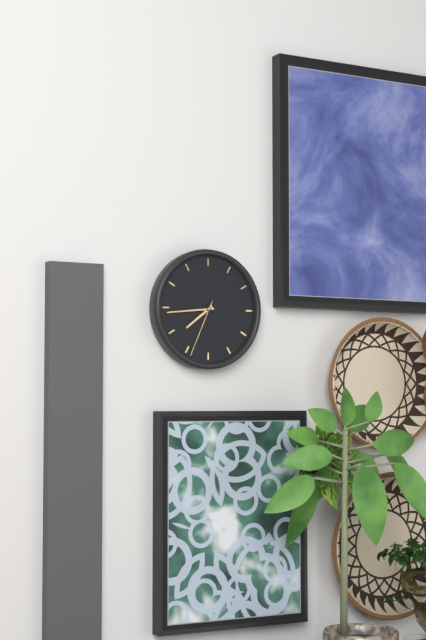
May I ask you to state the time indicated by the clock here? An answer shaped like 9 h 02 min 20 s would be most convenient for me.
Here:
7 h 44 min 34 s
